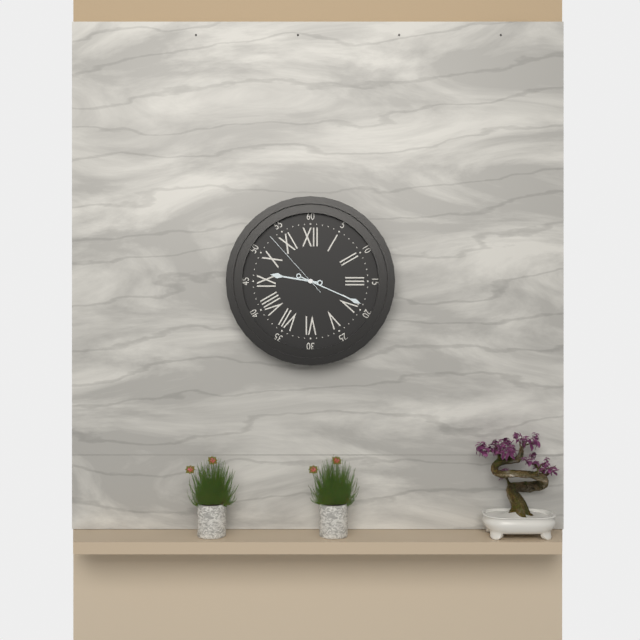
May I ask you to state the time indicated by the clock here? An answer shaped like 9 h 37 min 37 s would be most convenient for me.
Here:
9 h 19 min 53 s
